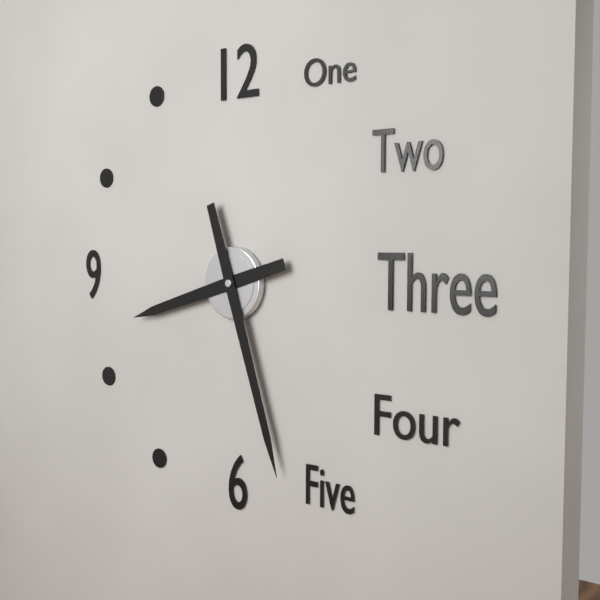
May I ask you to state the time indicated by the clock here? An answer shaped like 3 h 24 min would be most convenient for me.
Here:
8 h 27 min
